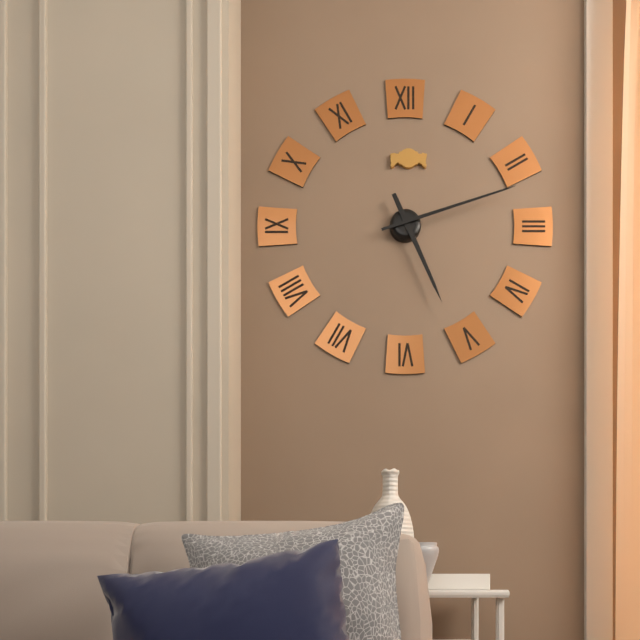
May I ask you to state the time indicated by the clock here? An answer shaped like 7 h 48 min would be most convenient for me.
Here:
5 h 12 min
